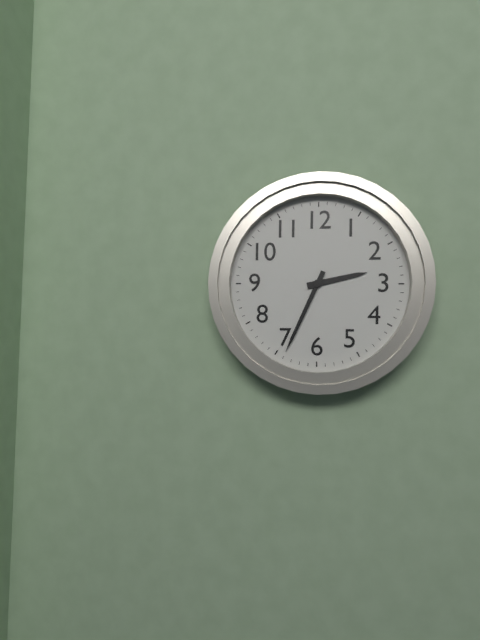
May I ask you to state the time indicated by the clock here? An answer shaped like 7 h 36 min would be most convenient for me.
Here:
2 h 34 min
